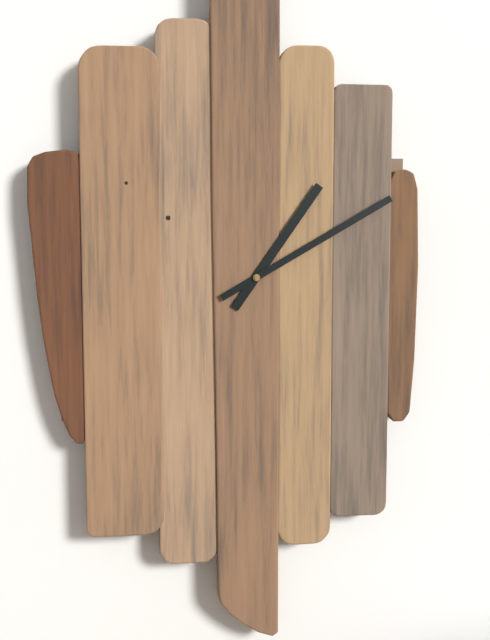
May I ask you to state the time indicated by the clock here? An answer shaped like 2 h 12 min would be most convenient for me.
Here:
1 h 10 min
